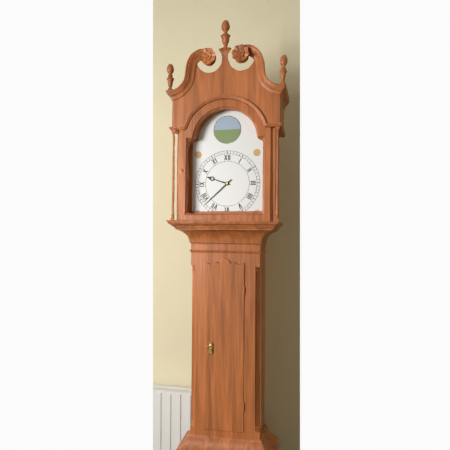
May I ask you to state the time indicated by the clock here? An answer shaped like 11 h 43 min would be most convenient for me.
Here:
9 h 38 min
